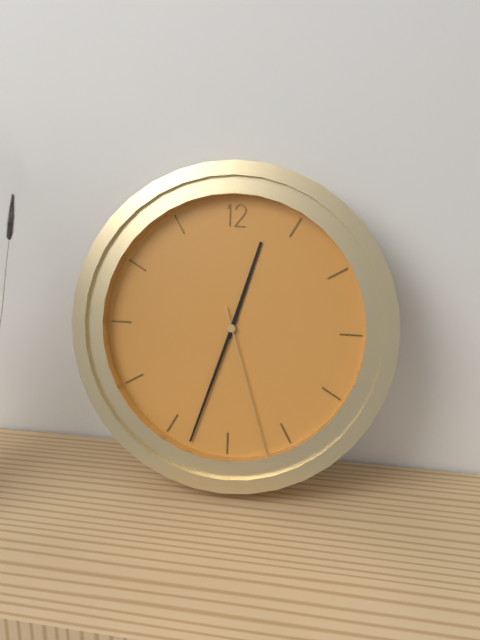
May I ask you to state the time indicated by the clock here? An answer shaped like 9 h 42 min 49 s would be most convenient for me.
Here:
12 h 33 min 27 s
